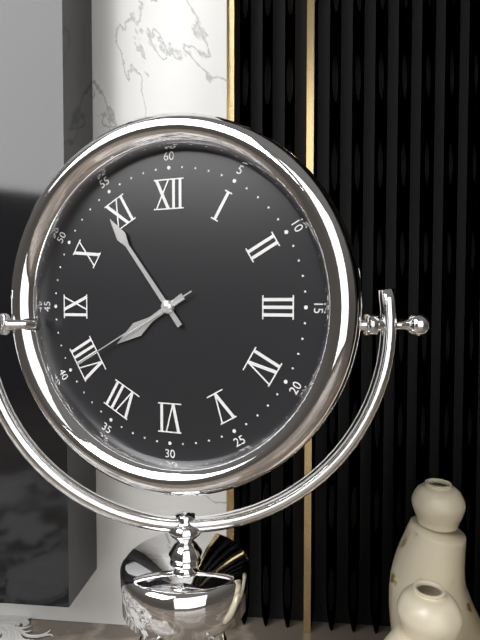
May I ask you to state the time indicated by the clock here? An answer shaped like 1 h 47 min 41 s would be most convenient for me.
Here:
7 h 54 min 40 s
